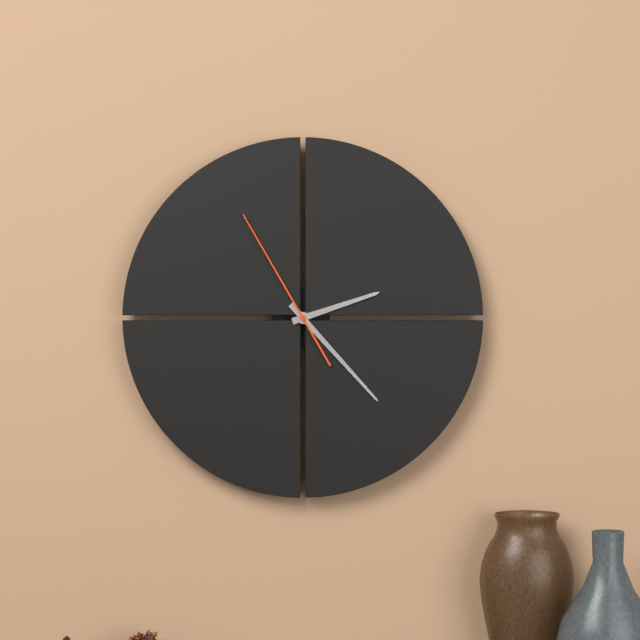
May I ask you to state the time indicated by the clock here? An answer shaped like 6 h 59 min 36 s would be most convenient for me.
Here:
2 h 23 min 55 s
